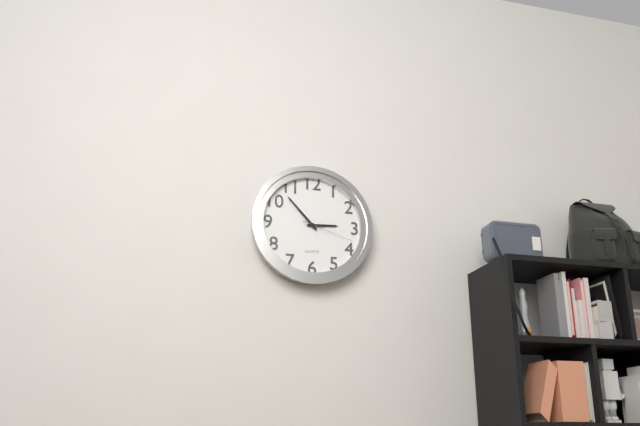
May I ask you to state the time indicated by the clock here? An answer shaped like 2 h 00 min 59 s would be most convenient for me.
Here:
2 h 53 min 18 s
